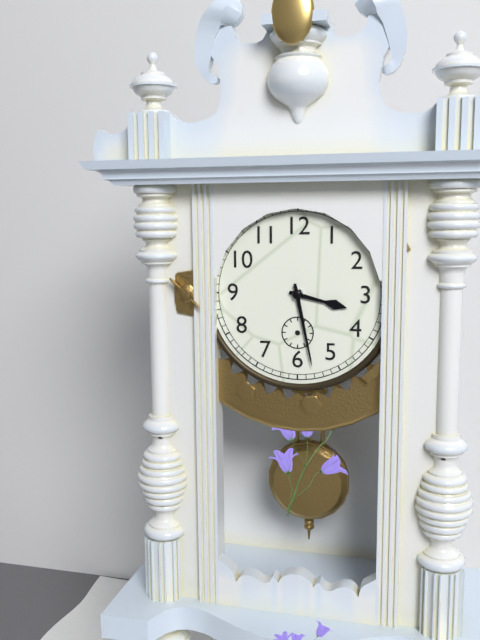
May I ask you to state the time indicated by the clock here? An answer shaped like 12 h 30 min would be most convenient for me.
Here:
3 h 28 min
